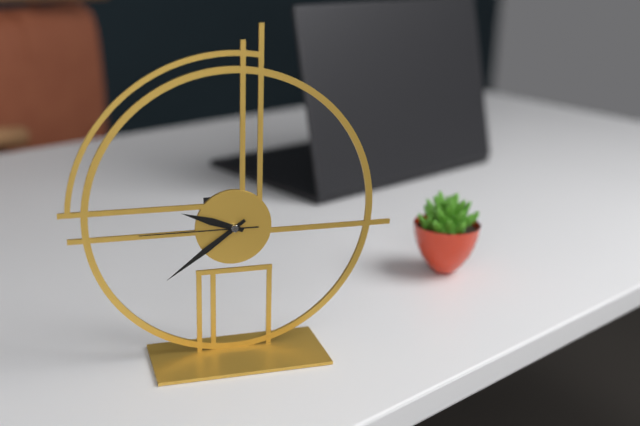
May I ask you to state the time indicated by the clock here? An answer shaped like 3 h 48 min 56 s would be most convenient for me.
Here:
9 h 39 min 45 s
